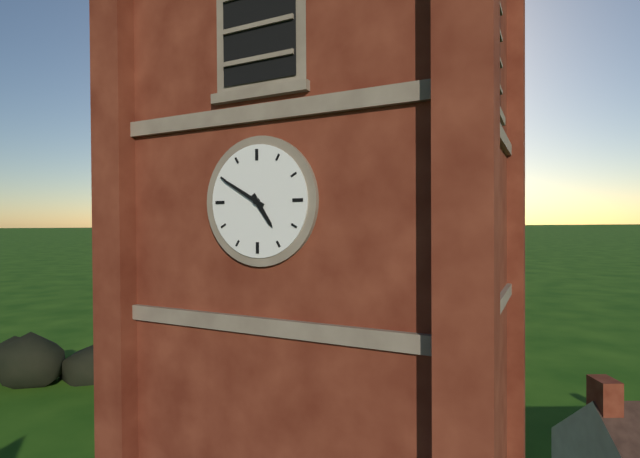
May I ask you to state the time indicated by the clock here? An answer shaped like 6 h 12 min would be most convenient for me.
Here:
4 h 50 min
